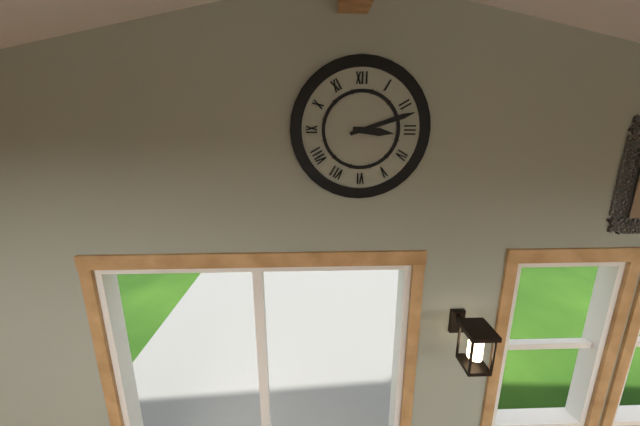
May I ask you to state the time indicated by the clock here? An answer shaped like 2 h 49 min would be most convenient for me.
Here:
3 h 12 min
